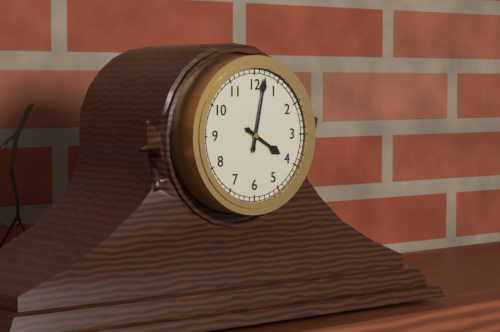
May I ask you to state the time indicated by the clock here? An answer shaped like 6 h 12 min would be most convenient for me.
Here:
4 h 02 min
